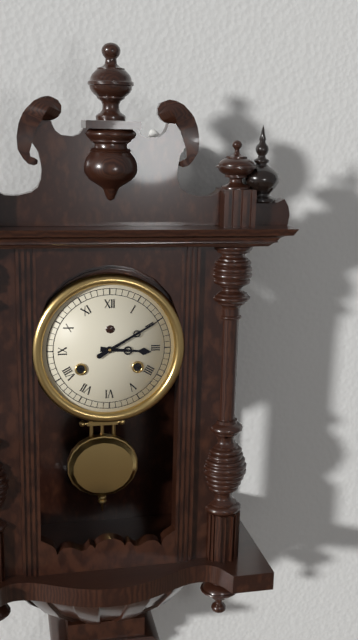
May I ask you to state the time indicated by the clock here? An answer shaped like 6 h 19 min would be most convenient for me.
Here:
3 h 10 min
